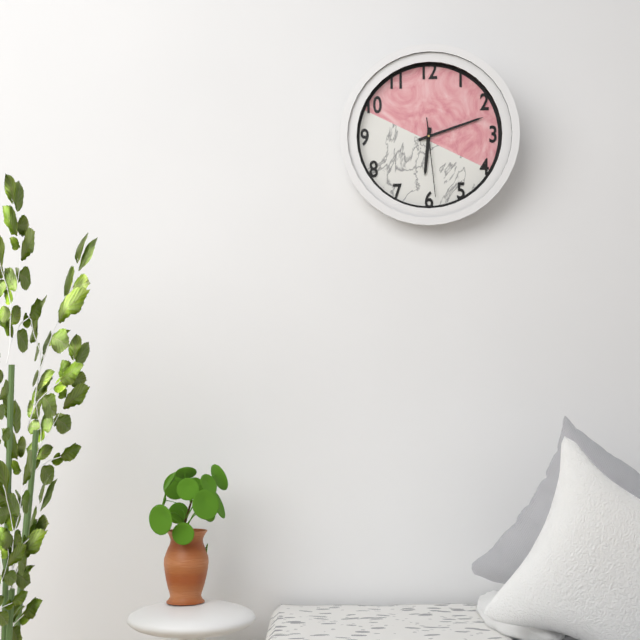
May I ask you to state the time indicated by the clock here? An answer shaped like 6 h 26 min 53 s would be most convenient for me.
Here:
6 h 12 min 29 s
